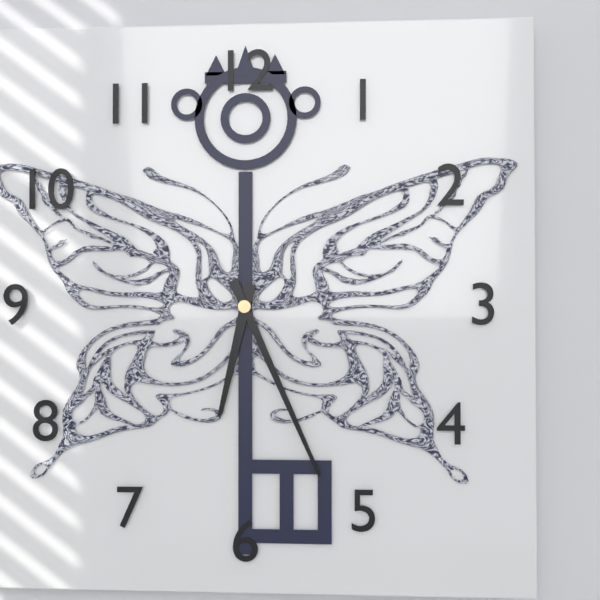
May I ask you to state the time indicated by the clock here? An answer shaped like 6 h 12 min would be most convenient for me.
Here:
6 h 26 min
